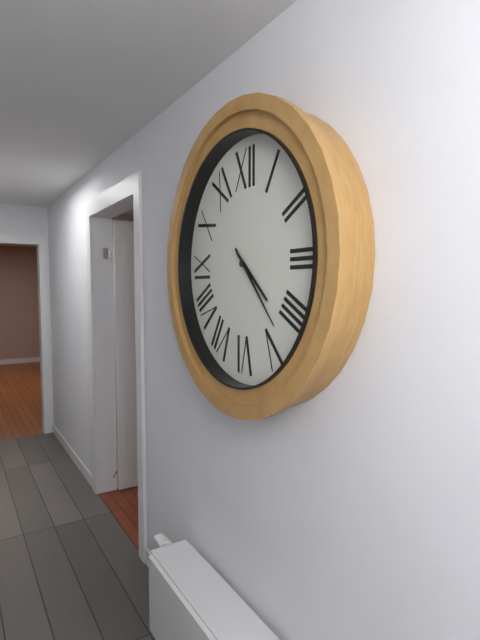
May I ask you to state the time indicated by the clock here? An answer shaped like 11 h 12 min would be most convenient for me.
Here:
4 h 23 min
